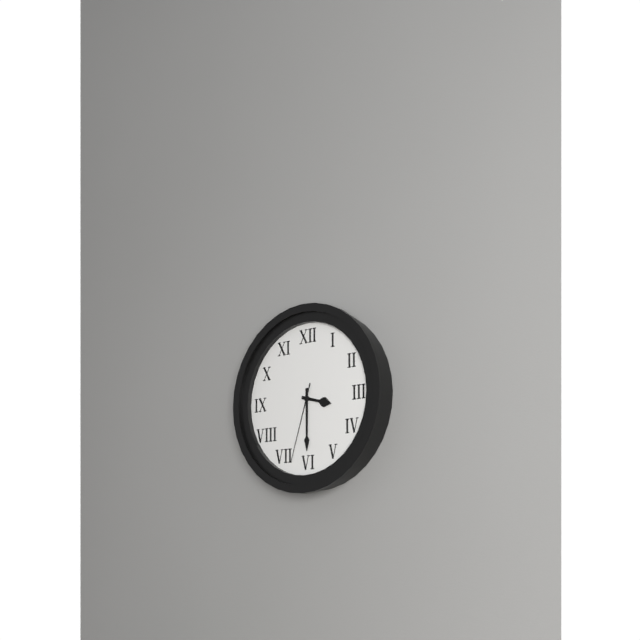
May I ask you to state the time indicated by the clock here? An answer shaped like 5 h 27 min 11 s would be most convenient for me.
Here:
3 h 30 min 33 s
